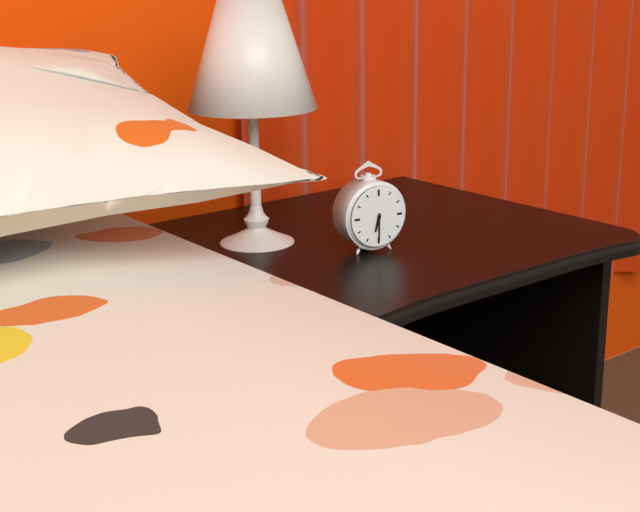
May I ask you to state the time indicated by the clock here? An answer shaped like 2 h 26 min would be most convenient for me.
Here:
6 h 30 min
